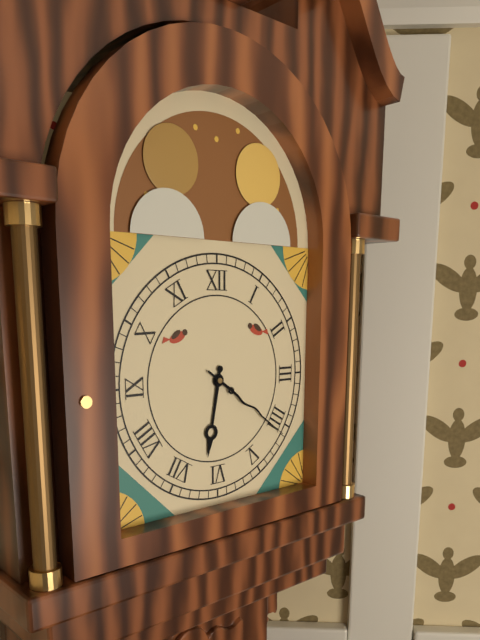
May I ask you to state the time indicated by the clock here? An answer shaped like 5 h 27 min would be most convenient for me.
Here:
6 h 21 min
